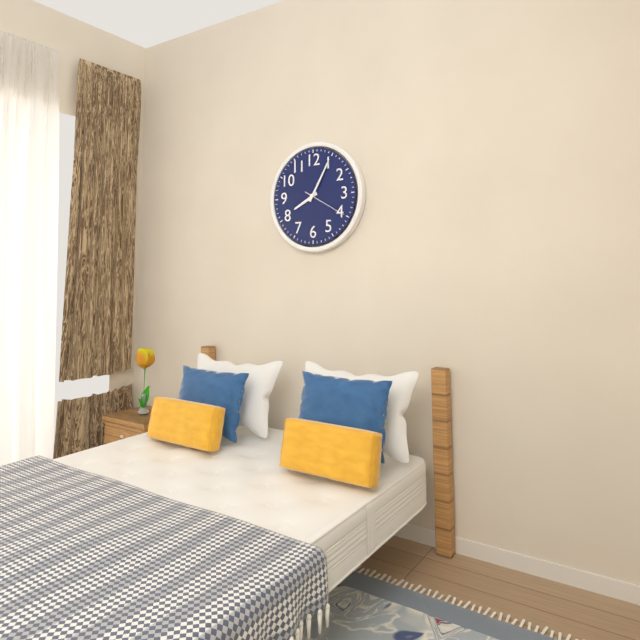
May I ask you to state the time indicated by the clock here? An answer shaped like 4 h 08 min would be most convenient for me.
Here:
8 h 05 min
